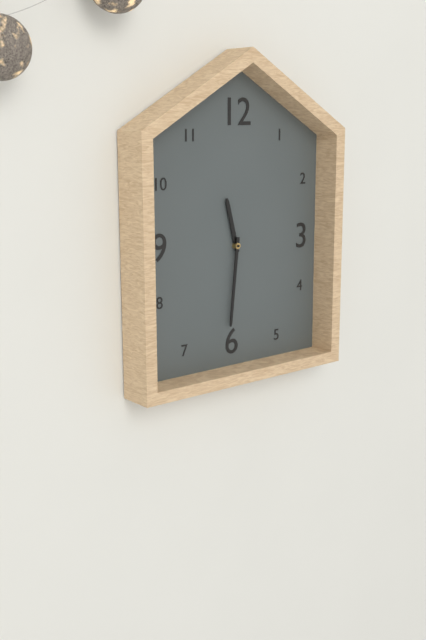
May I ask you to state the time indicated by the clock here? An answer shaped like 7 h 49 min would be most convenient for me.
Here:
11 h 31 min
